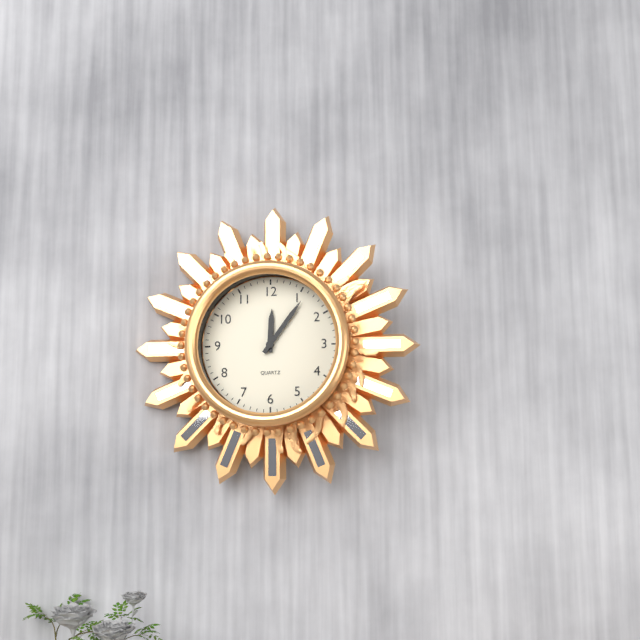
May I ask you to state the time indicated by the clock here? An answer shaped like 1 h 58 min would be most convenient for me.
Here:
12 h 06 min
